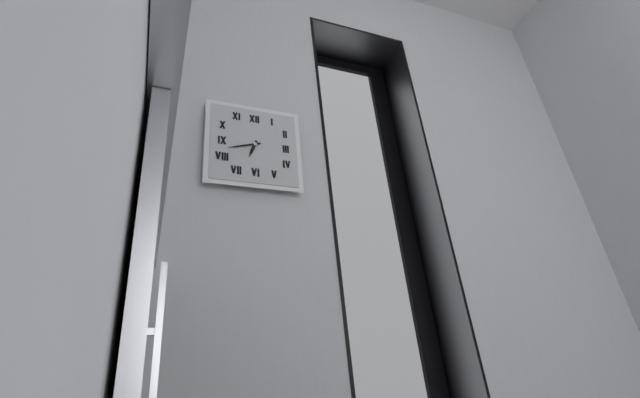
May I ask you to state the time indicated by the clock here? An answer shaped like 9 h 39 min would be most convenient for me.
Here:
6 h 42 min
